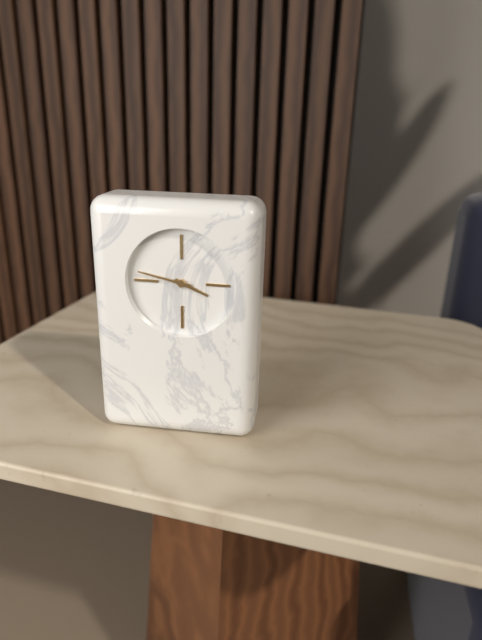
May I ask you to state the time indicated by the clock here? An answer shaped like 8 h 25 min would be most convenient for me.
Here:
3 h 47 min
